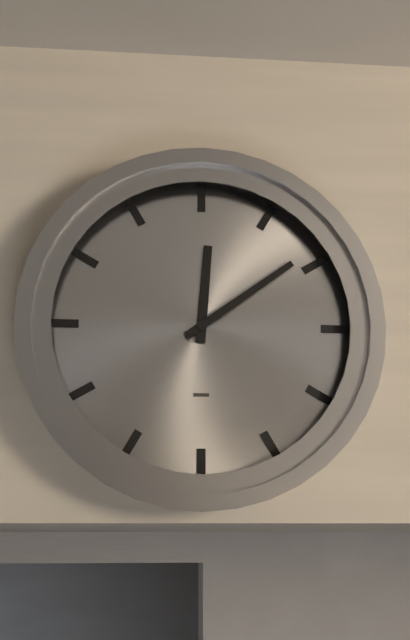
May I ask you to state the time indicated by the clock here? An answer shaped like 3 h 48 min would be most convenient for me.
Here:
12 h 09 min
